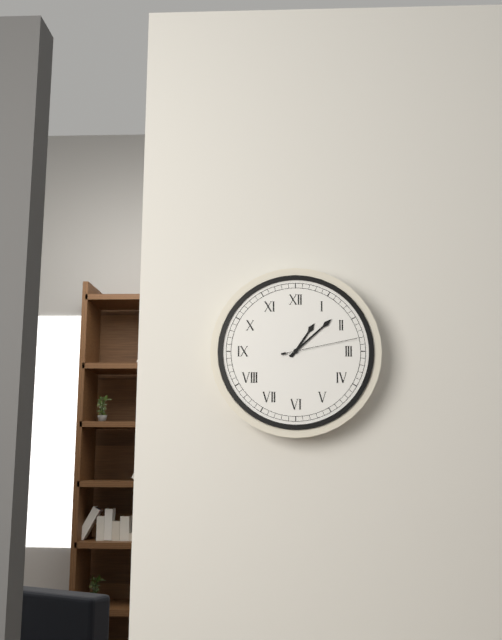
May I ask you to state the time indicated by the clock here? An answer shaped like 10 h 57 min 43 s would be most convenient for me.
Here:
1 h 08 min 13 s
